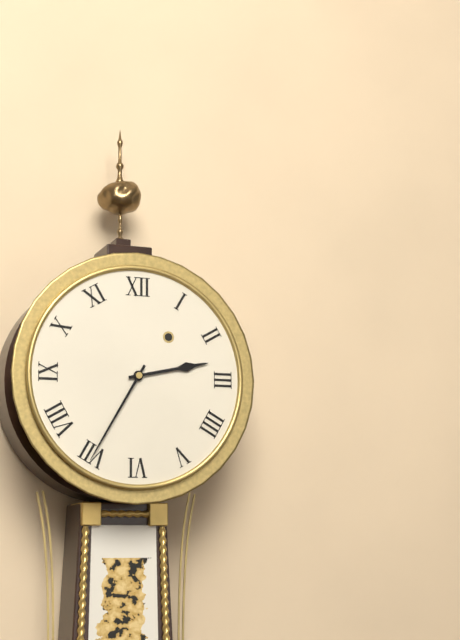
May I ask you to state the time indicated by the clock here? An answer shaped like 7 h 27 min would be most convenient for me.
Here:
2 h 35 min
